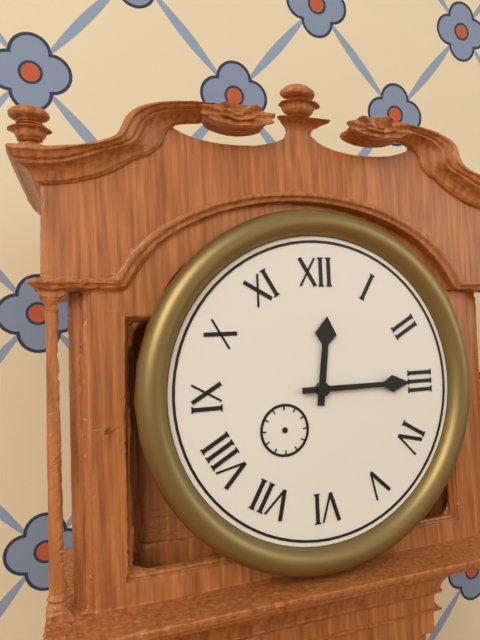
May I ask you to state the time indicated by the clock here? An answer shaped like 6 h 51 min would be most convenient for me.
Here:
12 h 15 min
